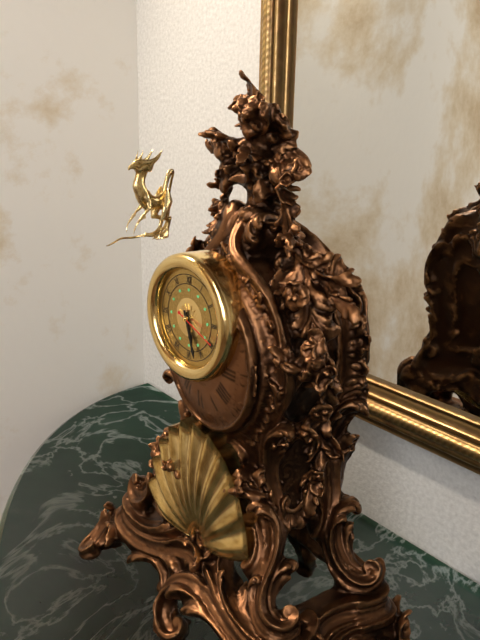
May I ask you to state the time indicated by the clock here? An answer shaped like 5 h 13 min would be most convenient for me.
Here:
5 h 27 min
